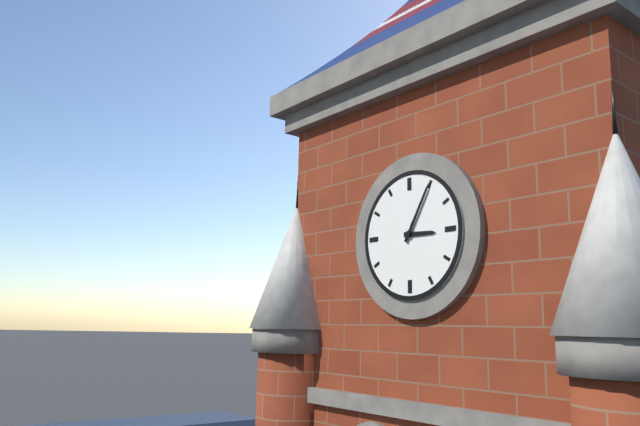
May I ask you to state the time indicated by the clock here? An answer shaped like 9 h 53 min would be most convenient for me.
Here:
3 h 05 min
